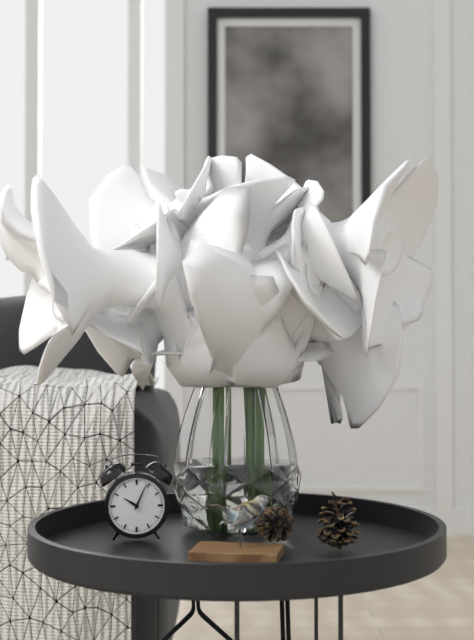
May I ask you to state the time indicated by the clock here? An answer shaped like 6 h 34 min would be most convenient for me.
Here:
10 h 04 min
